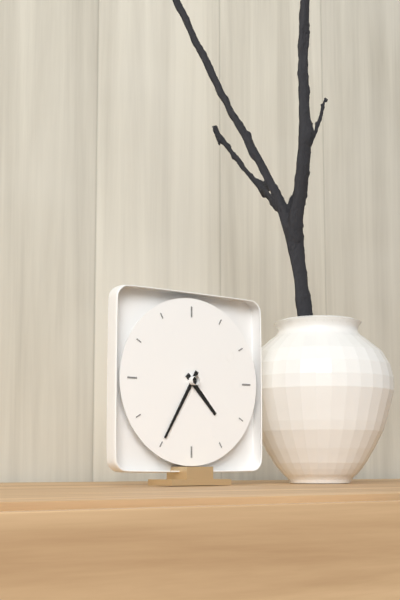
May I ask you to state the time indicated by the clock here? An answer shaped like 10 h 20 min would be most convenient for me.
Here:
4 h 35 min
